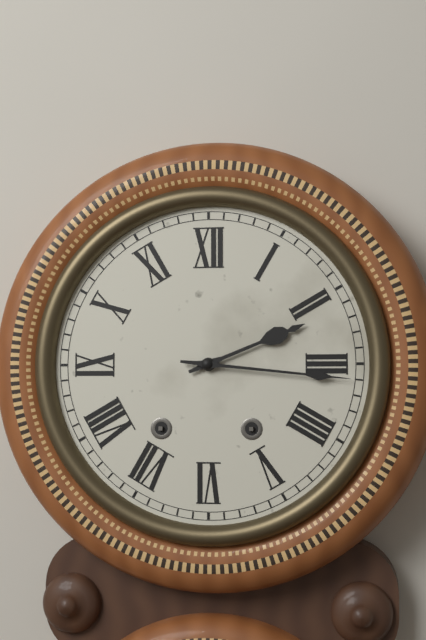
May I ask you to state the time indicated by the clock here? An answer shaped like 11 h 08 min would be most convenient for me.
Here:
2 h 16 min
